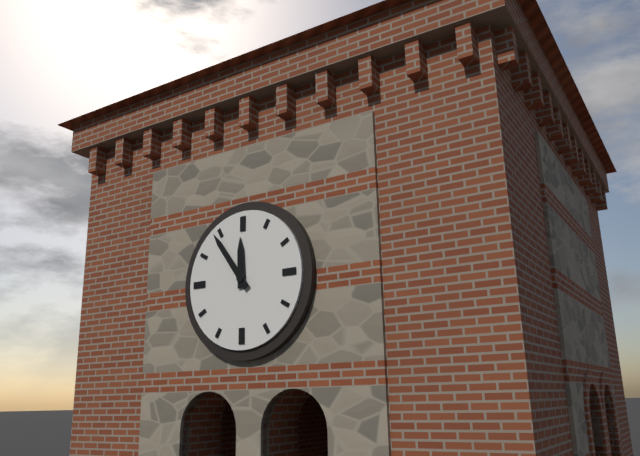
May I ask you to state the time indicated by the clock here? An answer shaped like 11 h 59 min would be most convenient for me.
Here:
11 h 54 min
